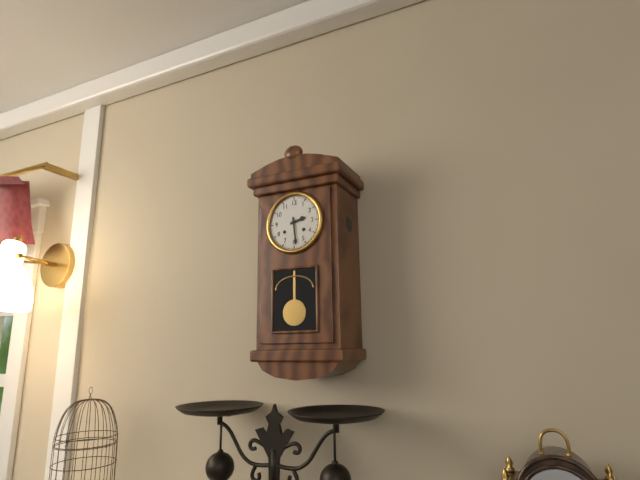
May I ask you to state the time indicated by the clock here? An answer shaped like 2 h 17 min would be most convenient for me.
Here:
2 h 29 min
